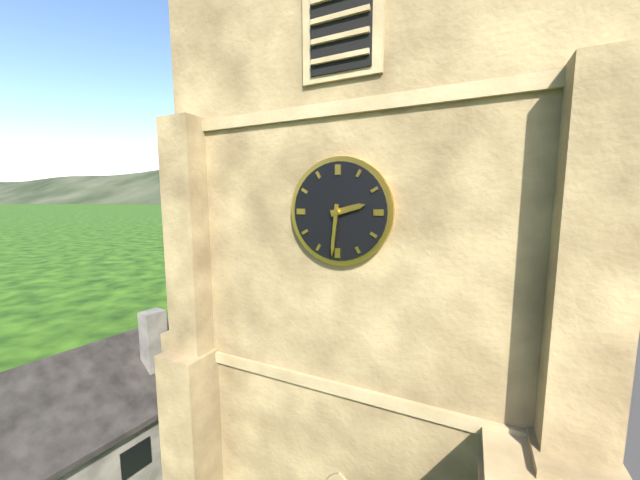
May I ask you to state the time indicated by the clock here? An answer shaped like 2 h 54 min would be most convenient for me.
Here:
2 h 31 min
